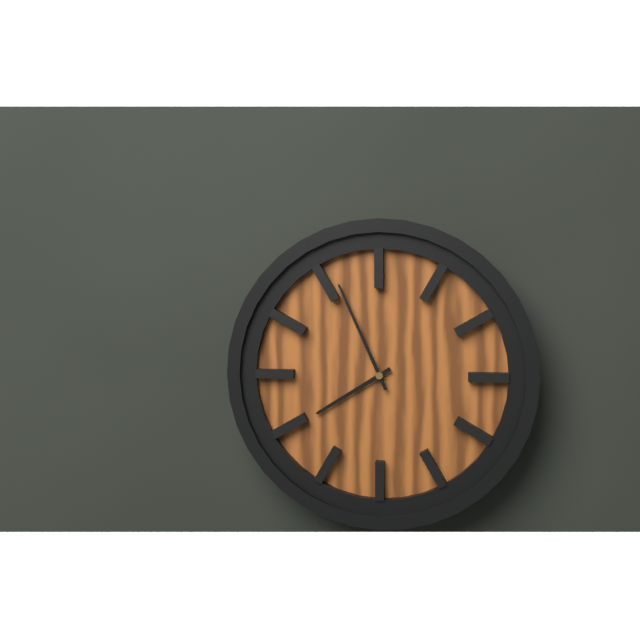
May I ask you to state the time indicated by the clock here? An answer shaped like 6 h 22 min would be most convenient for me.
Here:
7 h 56 min
